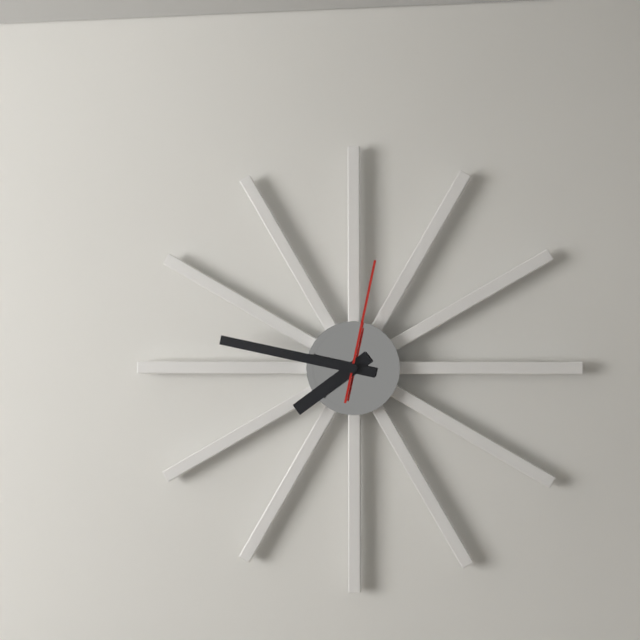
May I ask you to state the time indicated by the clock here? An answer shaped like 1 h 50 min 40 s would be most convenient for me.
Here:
7 h 47 min 02 s
